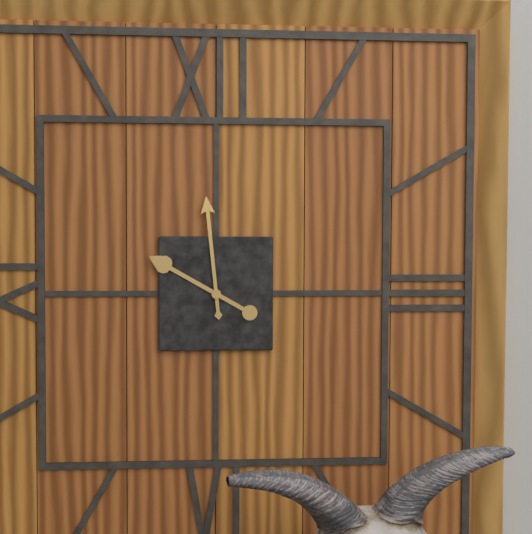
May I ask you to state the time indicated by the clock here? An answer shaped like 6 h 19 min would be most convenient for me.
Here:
9 h 59 min
